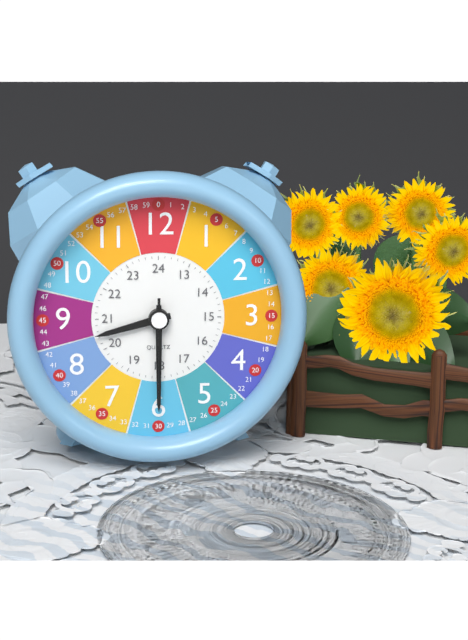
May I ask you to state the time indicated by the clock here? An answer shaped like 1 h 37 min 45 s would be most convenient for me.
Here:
8 h 30 min 30 s
